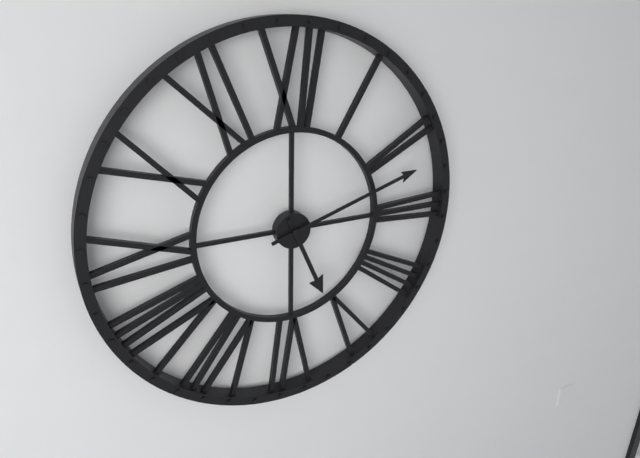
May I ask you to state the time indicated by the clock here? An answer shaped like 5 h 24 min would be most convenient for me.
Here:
5 h 12 min
